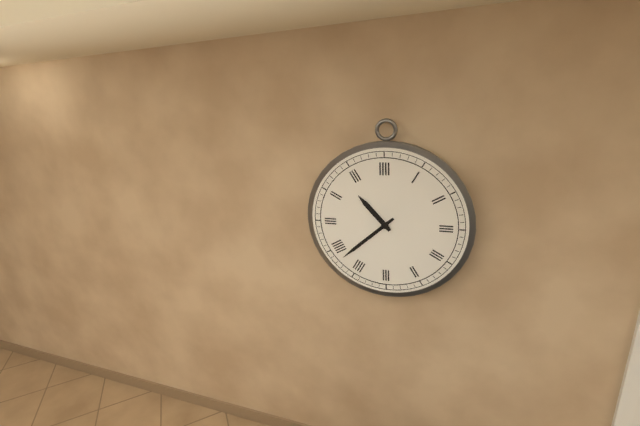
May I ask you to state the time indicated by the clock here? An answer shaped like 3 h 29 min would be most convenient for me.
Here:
10 h 38 min
